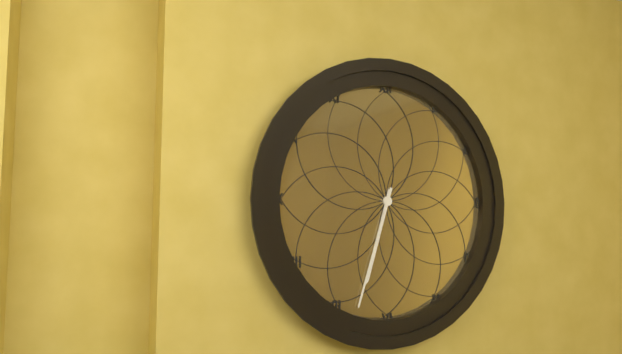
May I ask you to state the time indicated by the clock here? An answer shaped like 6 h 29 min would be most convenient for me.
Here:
6 h 33 min
